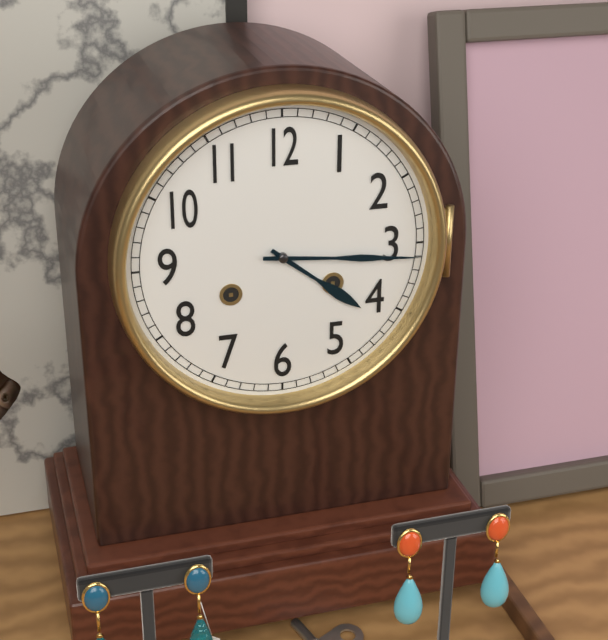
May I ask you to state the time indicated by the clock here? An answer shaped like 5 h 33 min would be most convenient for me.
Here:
4 h 16 min
